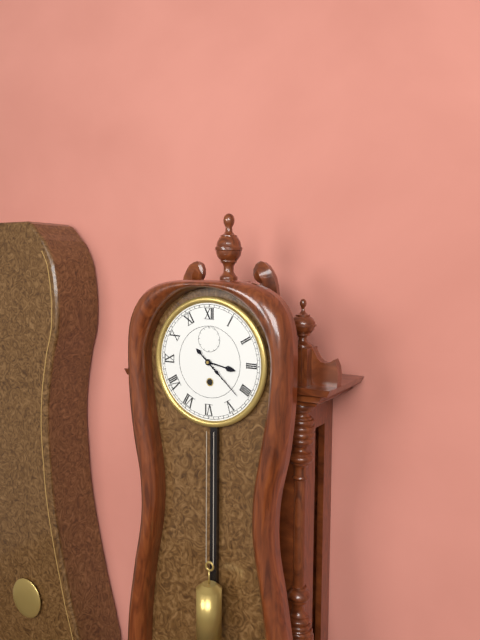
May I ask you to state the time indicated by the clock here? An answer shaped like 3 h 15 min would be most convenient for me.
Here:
3 h 22 min
